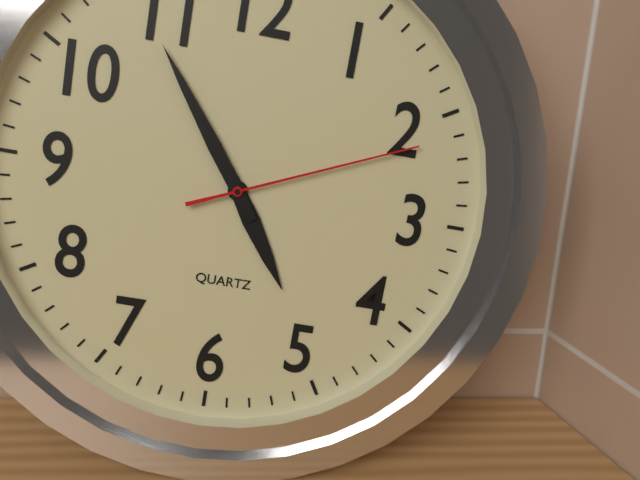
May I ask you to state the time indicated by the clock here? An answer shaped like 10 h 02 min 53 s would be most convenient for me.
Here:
4 h 54 min 11 s
